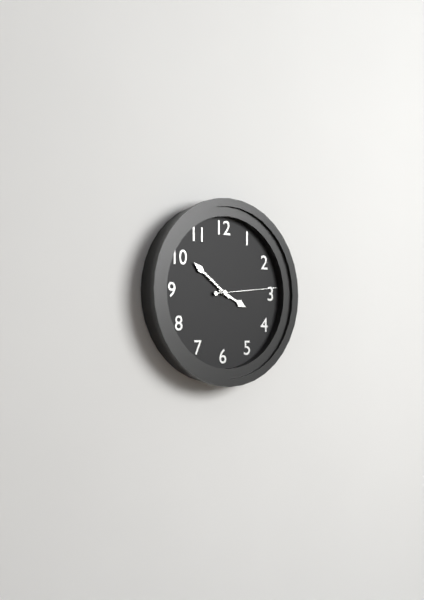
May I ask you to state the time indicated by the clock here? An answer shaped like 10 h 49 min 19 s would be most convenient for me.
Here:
3 h 51 min 14 s
